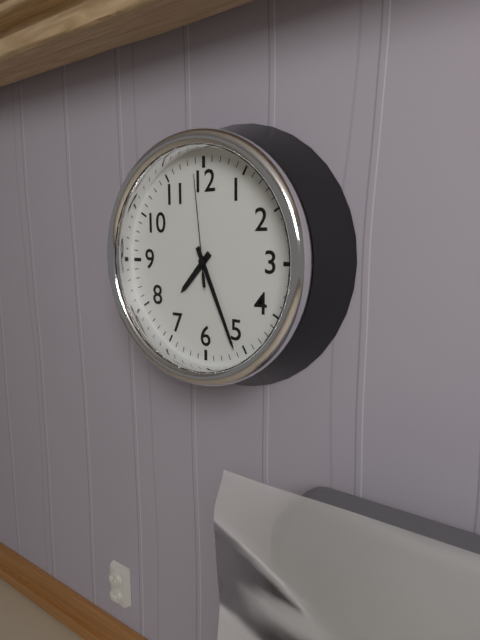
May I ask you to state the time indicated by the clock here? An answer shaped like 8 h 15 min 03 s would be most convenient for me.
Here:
7 h 26 min 59 s
